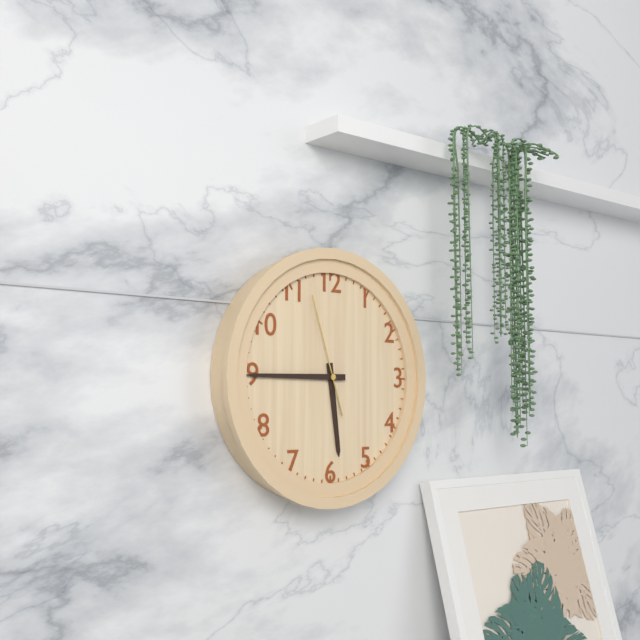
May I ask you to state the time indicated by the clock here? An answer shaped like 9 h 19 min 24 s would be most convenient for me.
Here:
5 h 45 min 57 s
